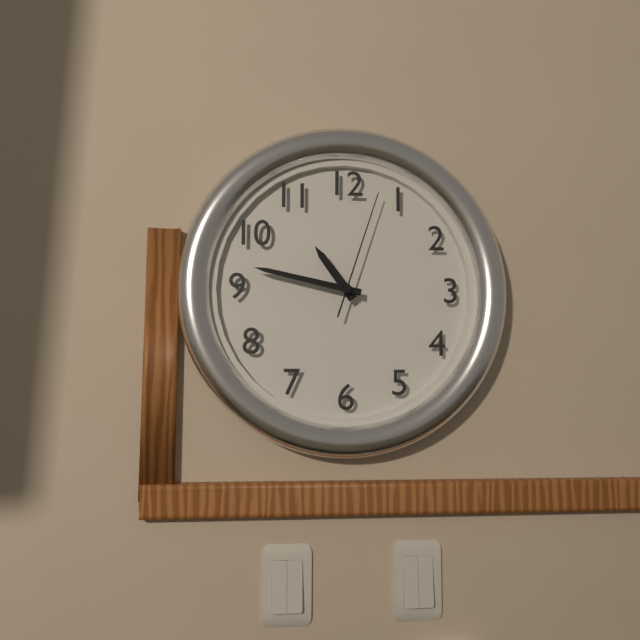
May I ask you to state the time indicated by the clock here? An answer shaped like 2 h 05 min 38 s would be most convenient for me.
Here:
10 h 47 min 03 s
